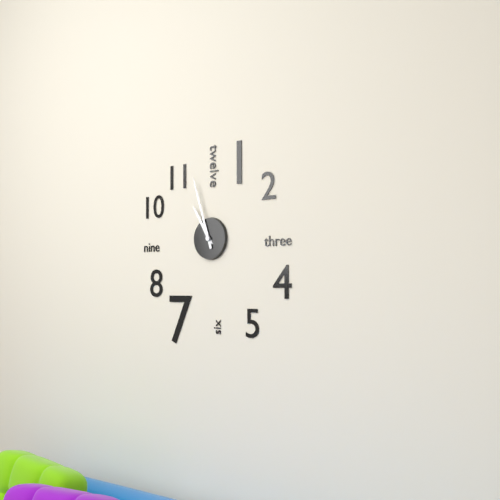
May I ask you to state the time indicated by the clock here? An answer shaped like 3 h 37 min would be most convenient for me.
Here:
10 h 57 min
